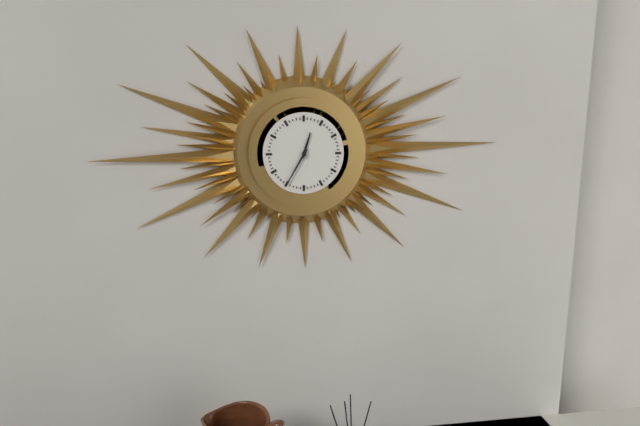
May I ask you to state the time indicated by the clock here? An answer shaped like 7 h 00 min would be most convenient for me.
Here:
12 h 35 min
